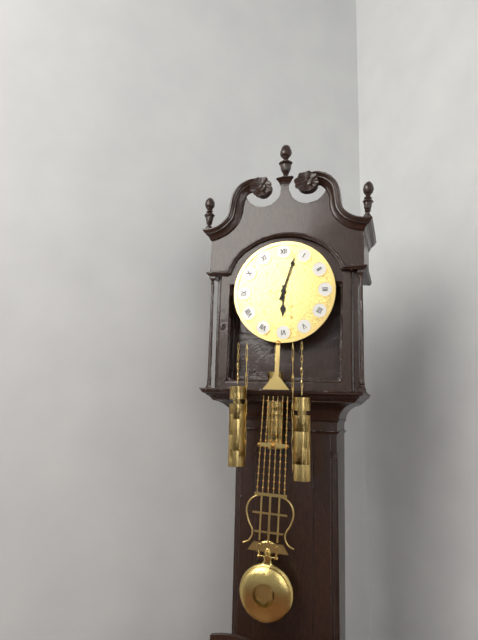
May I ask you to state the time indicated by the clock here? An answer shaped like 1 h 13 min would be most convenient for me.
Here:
6 h 03 min
